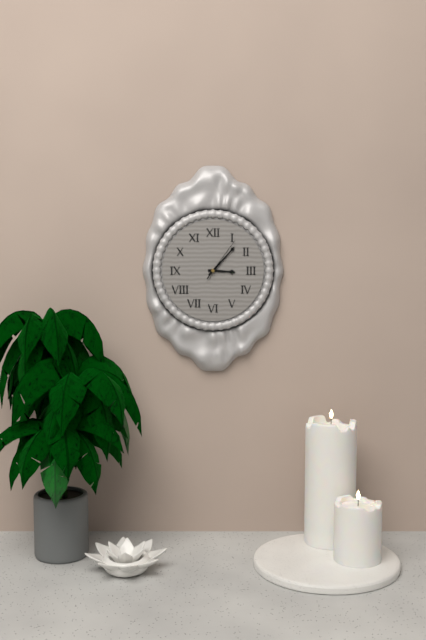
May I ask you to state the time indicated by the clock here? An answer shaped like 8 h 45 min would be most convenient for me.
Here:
3 h 07 min
